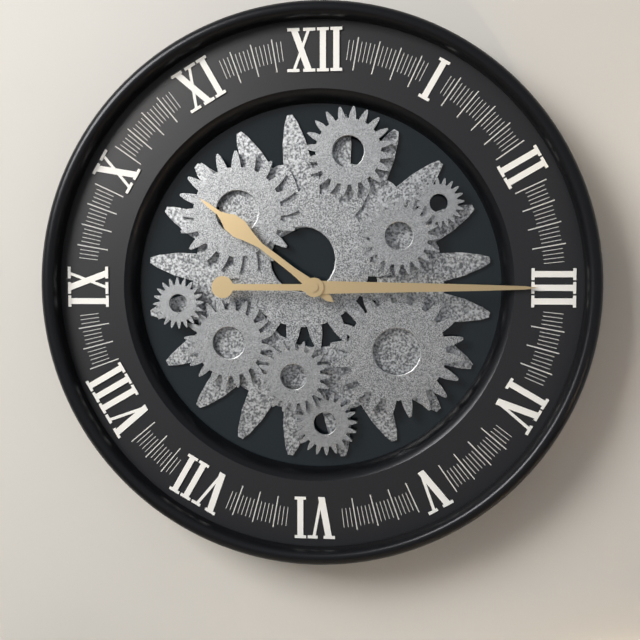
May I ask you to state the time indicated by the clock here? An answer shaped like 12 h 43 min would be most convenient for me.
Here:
10 h 15 min
